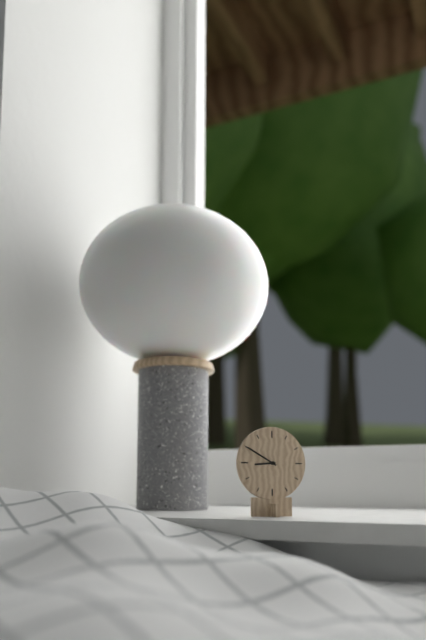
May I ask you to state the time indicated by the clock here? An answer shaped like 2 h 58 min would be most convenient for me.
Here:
8 h 50 min
